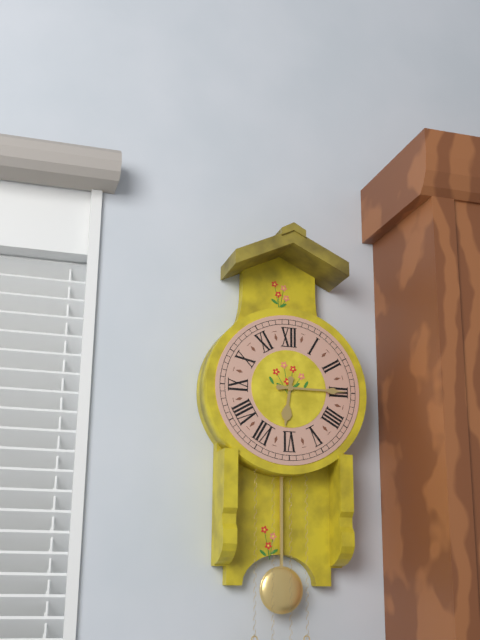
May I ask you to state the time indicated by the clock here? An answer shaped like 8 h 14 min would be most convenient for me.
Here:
6 h 15 min
